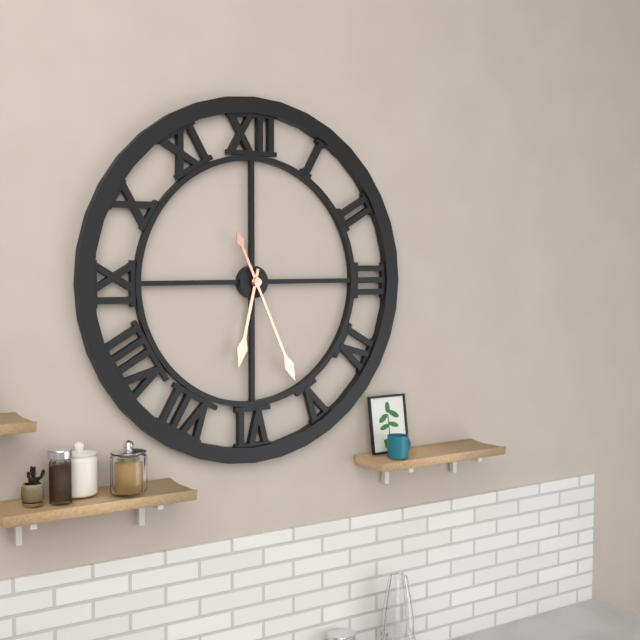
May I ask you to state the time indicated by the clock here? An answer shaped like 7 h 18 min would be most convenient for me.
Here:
6 h 26 min
